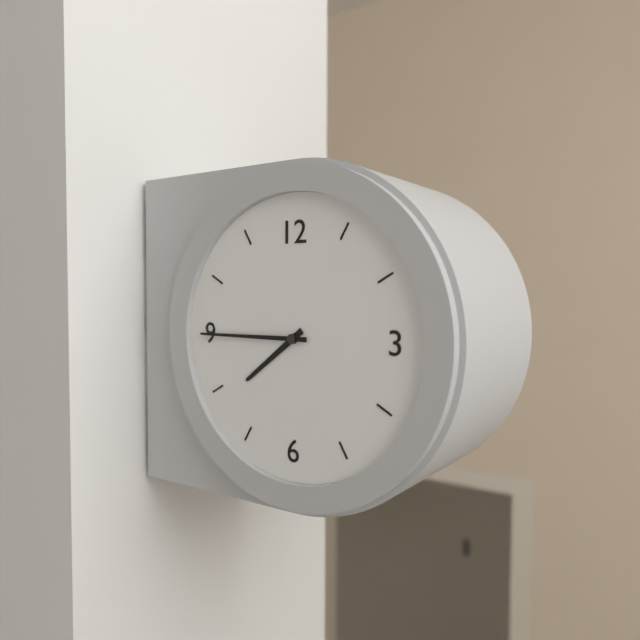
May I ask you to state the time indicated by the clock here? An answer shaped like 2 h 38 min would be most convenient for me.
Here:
7 h 45 min
